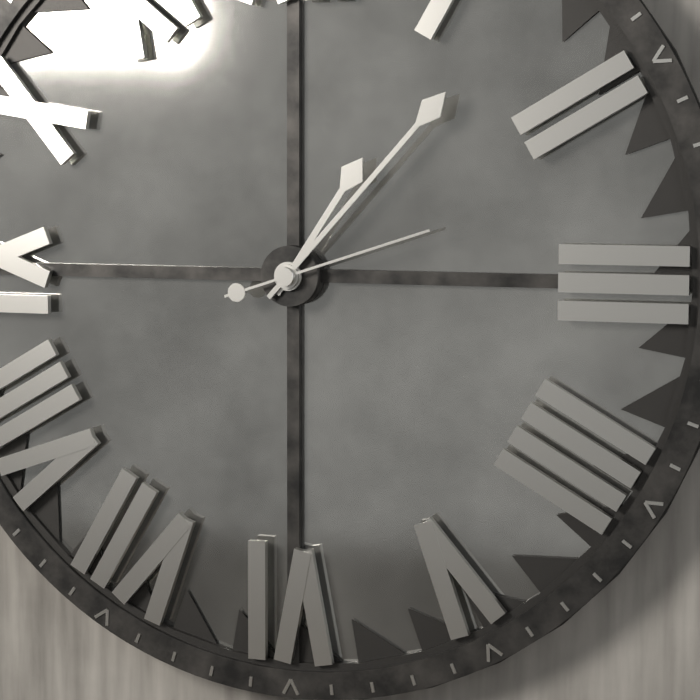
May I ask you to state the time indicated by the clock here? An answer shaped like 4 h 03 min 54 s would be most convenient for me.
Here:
1 h 07 min 12 s
